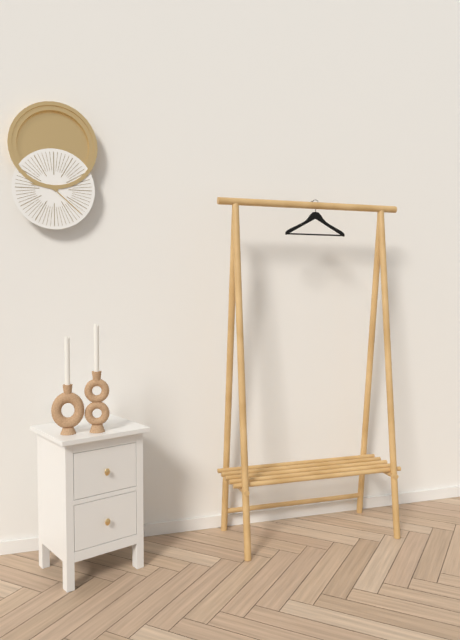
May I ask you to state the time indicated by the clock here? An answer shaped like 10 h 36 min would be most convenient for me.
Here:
9 h 22 min
